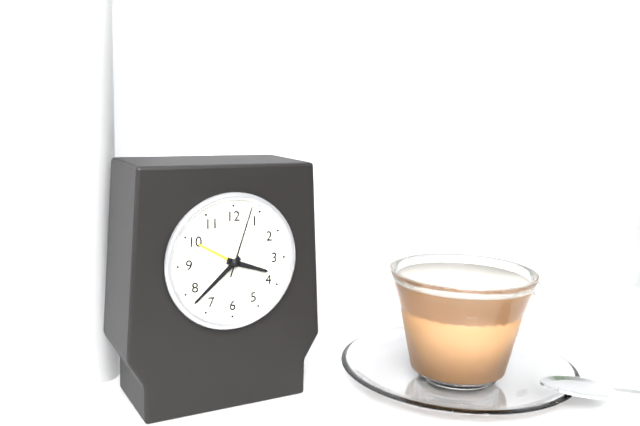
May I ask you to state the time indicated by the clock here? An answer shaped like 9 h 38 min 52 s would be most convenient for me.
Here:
3 h 38 min 03 s
